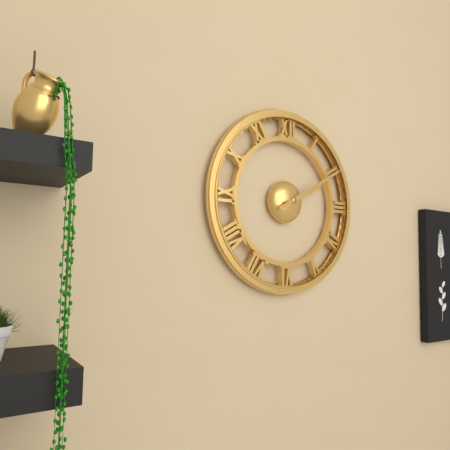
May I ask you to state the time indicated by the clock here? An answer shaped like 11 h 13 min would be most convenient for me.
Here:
2 h 10 min
